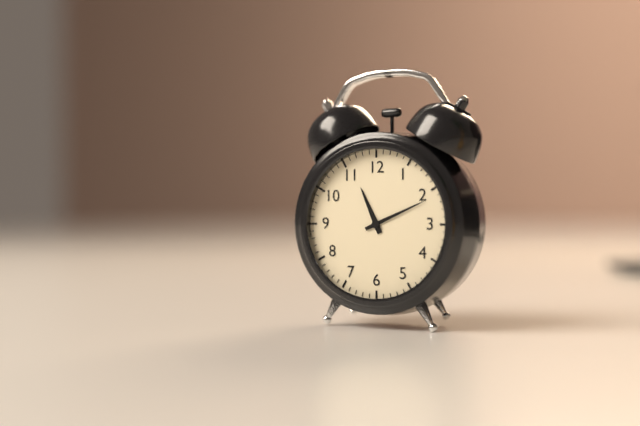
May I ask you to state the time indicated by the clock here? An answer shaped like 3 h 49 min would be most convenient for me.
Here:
11 h 11 min
